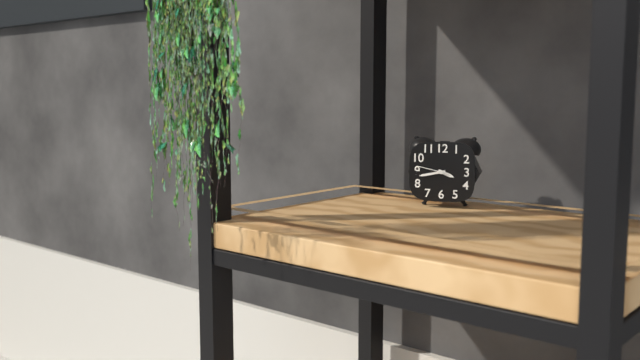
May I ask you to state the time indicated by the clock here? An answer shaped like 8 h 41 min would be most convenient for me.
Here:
3 h 43 min
